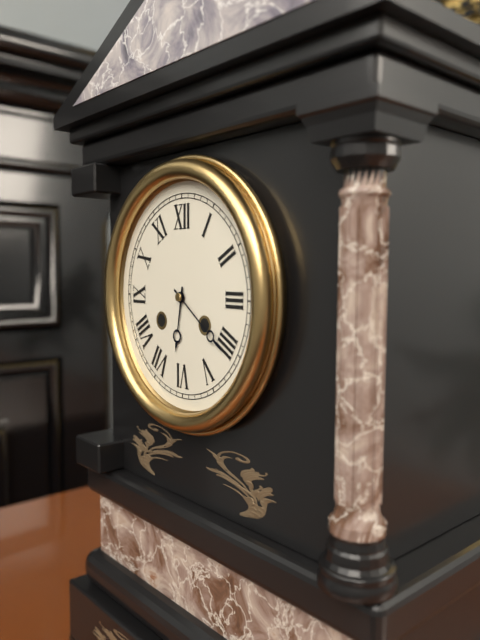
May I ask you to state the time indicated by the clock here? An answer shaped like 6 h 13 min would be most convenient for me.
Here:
6 h 21 min
